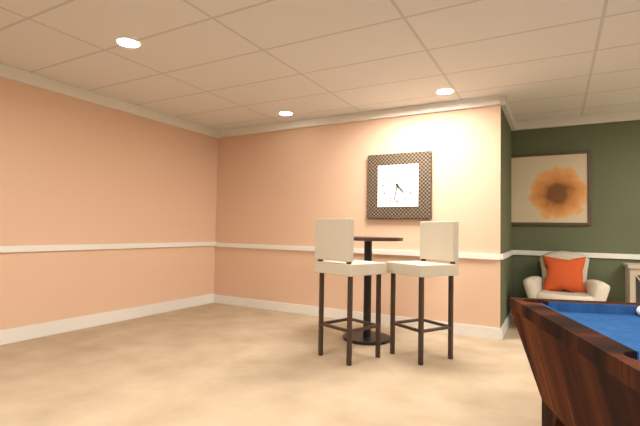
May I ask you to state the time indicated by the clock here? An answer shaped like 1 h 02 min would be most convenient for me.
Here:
4 h 32 min
